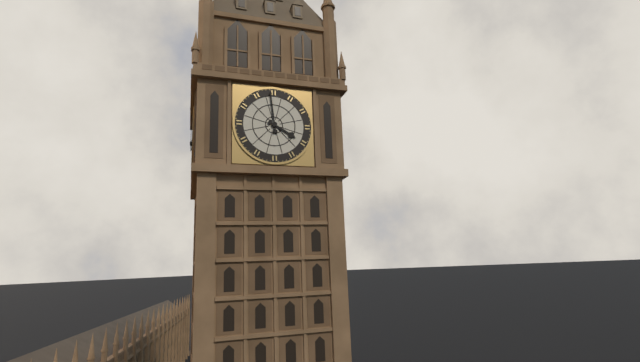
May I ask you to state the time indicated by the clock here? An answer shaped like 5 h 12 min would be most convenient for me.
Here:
3 h 59 min
